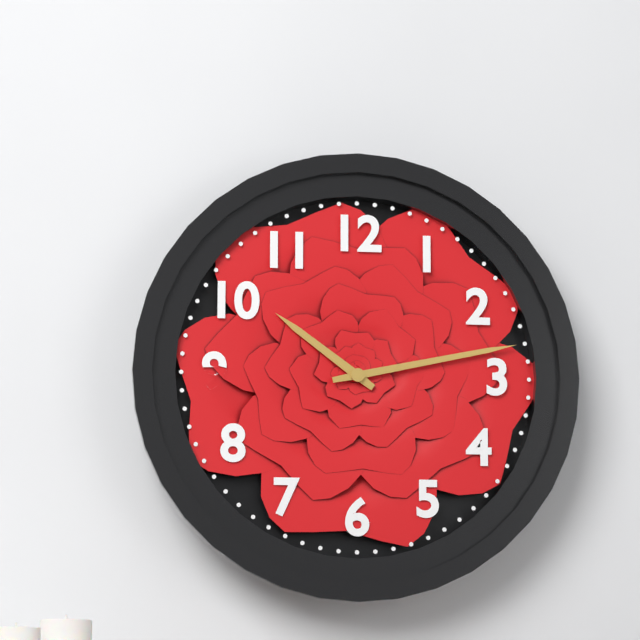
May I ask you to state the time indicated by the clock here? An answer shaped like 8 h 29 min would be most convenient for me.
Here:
10 h 13 min
